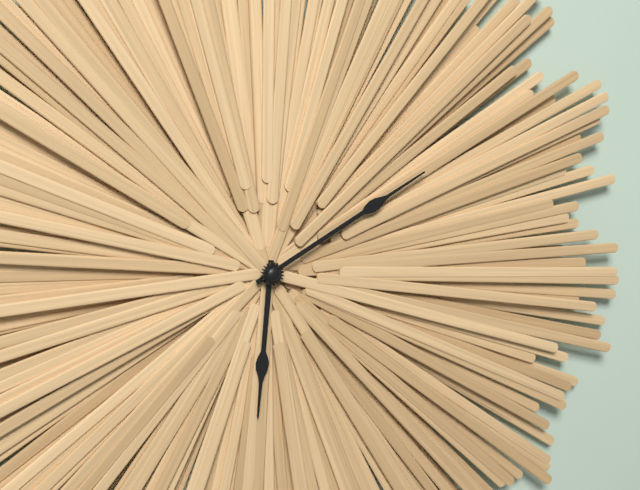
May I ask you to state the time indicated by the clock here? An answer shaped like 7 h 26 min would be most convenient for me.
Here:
6 h 10 min
